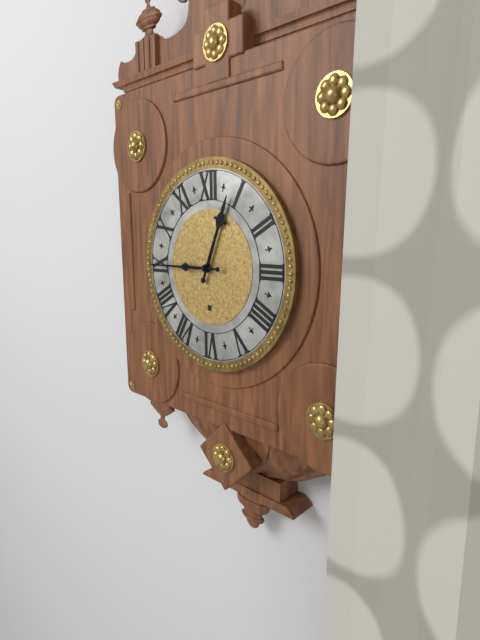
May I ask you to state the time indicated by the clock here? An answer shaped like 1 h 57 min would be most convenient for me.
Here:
12 h 45 min
